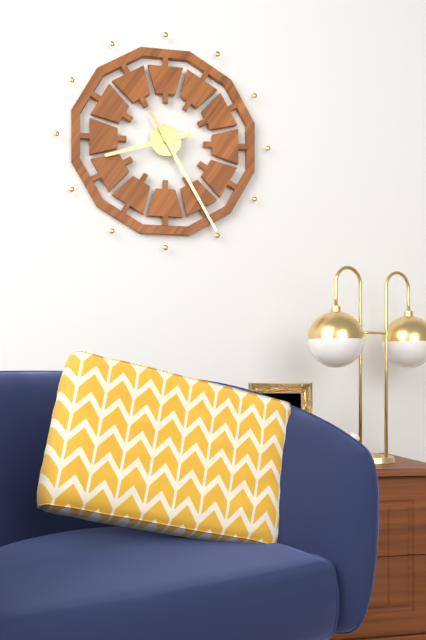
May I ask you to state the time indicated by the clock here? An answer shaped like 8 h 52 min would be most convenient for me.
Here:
8 h 25 min
